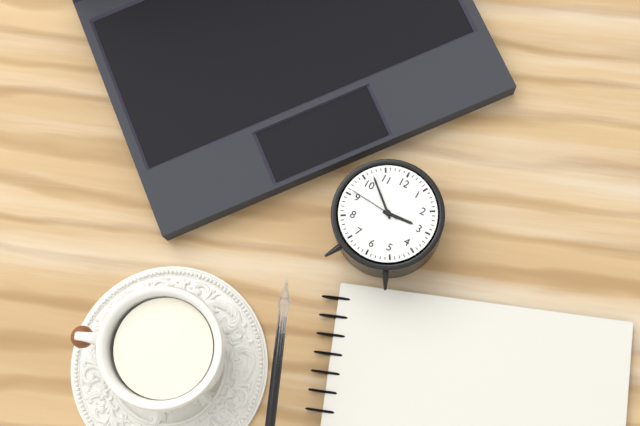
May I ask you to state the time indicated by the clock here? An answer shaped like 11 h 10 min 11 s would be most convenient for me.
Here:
2 h 52 min 46 s
